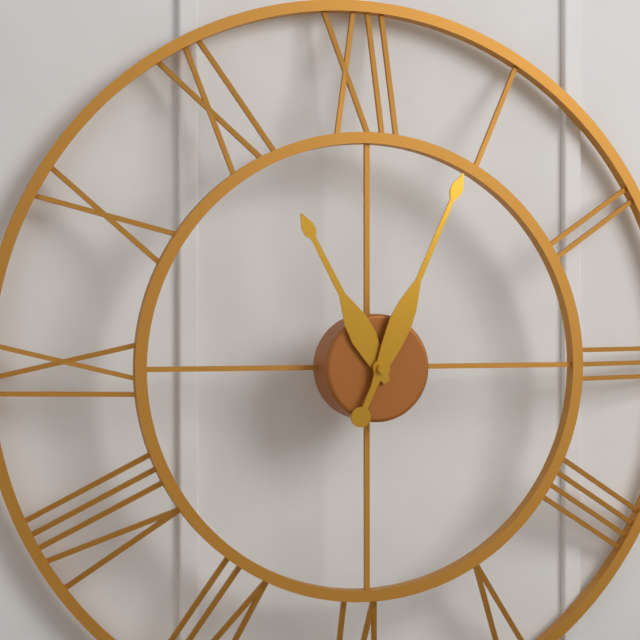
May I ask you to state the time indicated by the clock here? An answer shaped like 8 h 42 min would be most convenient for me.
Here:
11 h 04 min
